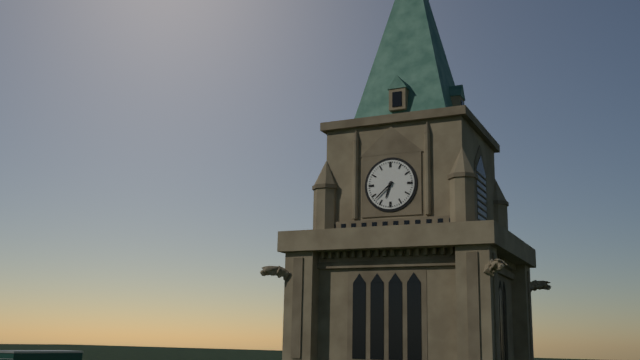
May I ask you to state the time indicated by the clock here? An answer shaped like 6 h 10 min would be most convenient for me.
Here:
6 h 38 min
